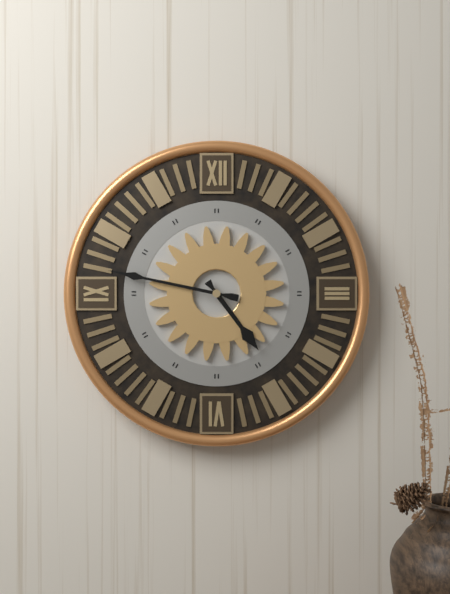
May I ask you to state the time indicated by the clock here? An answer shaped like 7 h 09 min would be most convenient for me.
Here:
4 h 47 min
